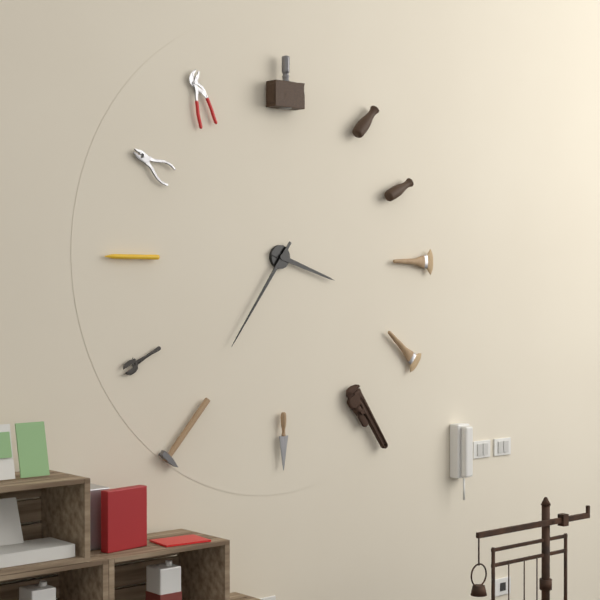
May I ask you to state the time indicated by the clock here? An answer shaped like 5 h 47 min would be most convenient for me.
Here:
3 h 36 min
